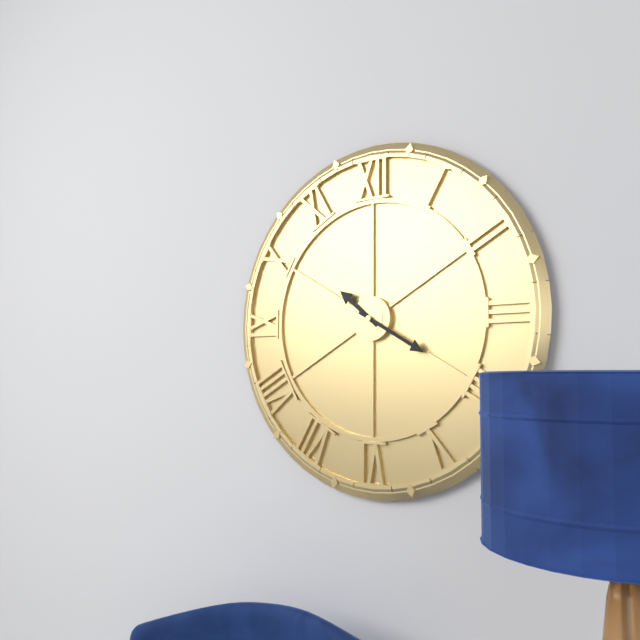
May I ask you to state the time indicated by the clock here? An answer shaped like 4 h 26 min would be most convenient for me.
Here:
10 h 20 min
